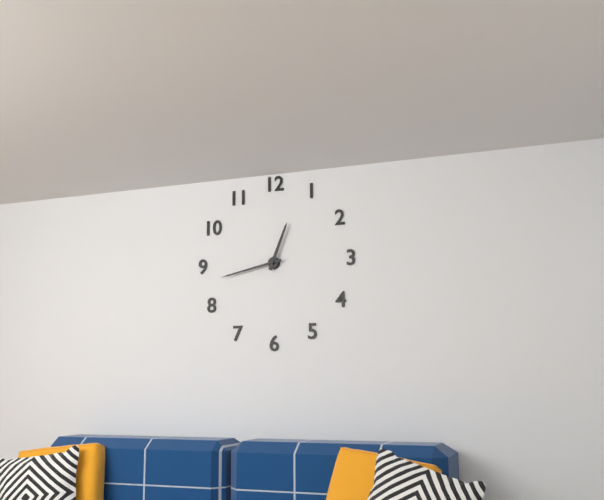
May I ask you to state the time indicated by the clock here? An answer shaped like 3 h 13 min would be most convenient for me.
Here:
12 h 43 min
